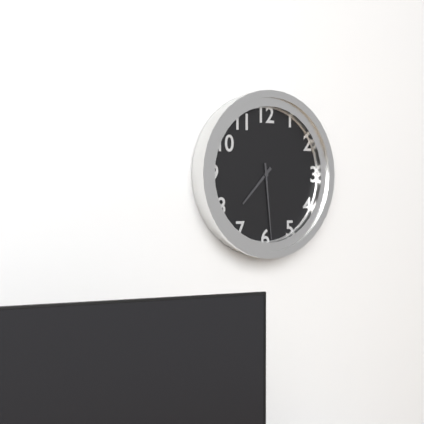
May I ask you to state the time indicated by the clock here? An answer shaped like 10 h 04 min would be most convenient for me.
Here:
7 h 29 min
